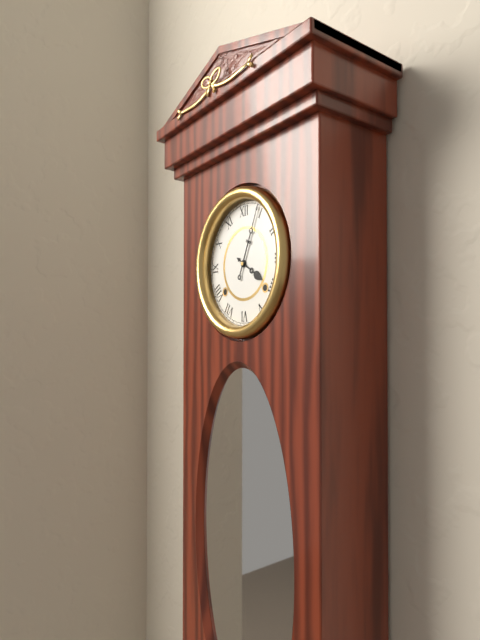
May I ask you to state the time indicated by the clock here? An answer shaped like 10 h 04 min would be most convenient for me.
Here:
4 h 04 min
